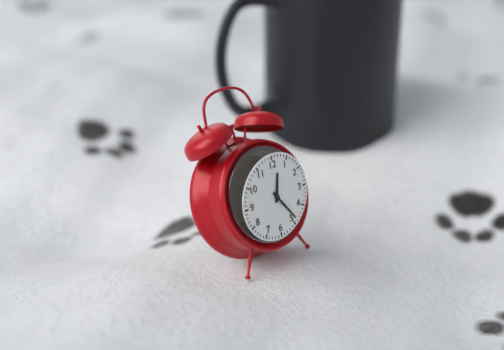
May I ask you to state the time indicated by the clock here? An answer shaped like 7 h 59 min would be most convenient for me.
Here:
12 h 24 min
